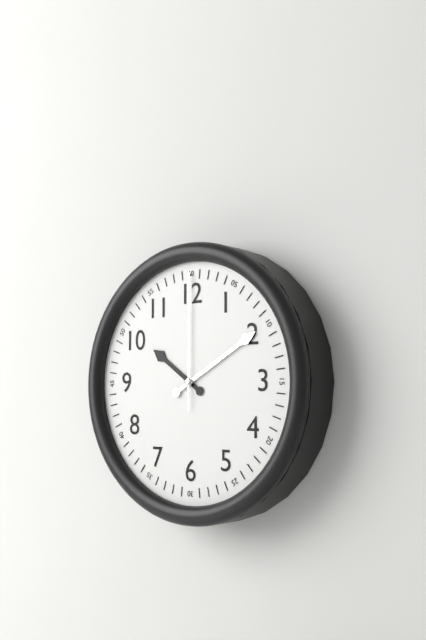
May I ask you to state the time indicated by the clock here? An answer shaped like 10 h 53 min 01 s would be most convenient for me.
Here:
10 h 10 min 00 s
